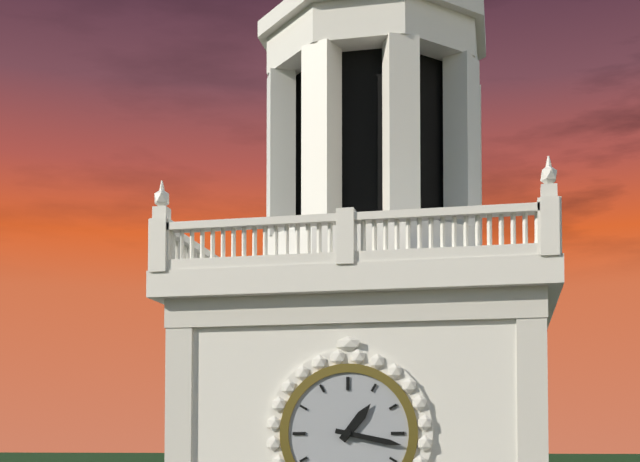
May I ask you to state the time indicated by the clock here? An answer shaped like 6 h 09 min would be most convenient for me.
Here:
1 h 17 min
